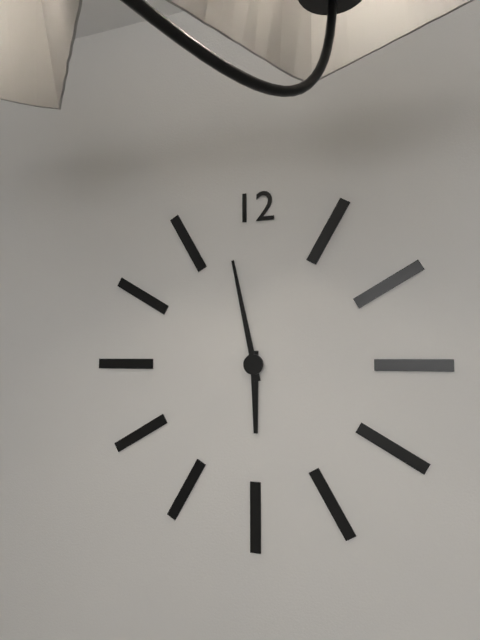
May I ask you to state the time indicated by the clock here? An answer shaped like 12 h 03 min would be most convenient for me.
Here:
5 h 58 min
